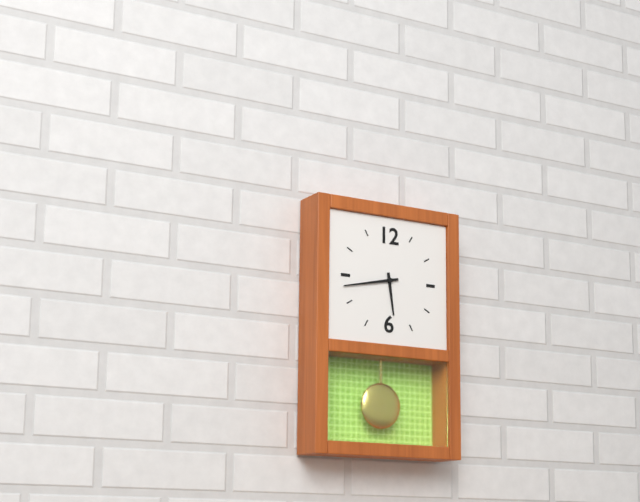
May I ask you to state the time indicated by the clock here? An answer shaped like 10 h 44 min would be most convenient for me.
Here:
5 h 43 min
